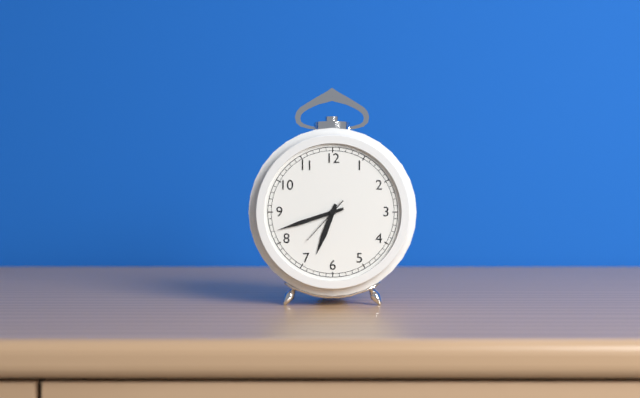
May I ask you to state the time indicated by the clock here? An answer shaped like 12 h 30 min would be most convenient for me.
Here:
6 h 42 min
